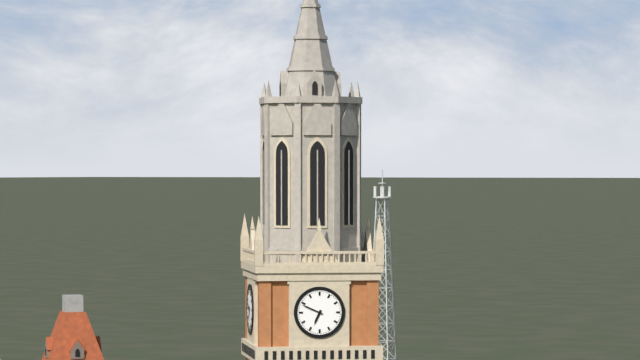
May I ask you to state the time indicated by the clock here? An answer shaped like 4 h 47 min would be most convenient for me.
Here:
6 h 49 min
